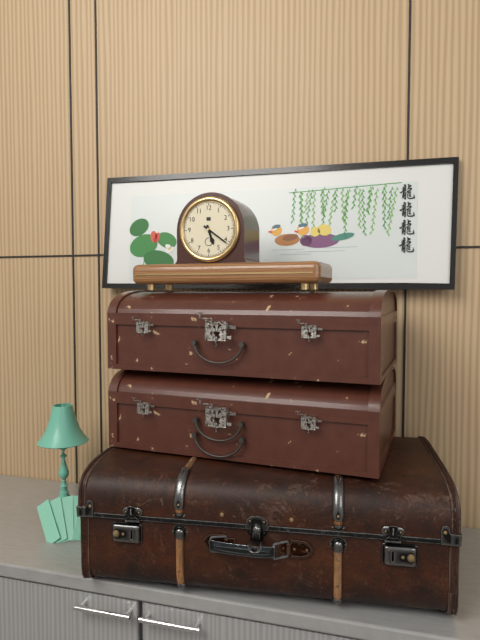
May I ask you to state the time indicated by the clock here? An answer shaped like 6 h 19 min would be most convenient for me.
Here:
5 h 21 min
